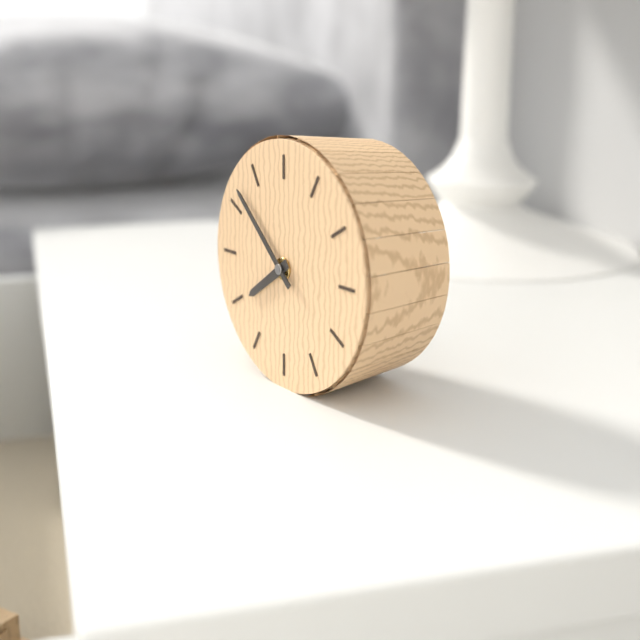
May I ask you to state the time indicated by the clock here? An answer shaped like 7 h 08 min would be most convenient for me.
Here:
7 h 52 min
